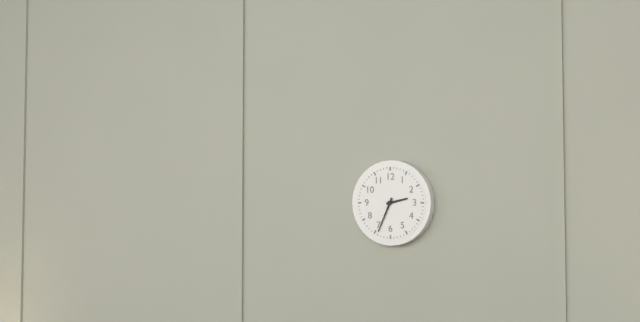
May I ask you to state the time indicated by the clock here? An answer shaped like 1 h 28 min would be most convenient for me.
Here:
2 h 34 min
